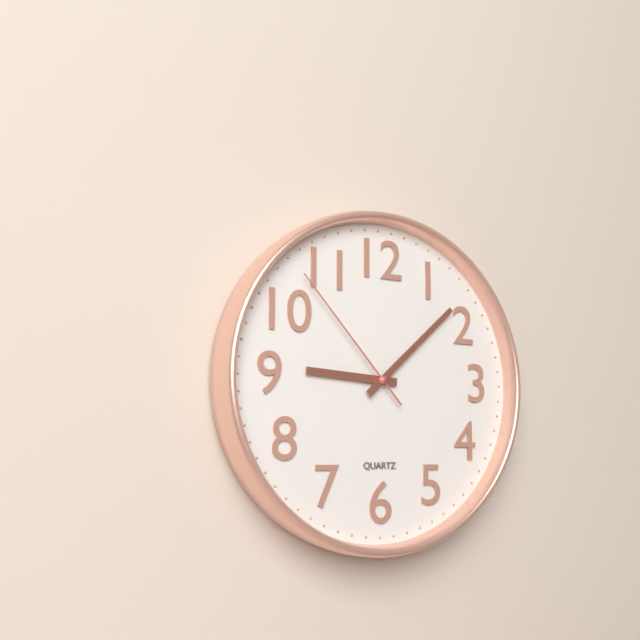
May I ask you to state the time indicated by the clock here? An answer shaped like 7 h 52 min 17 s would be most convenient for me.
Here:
9 h 08 min 53 s
